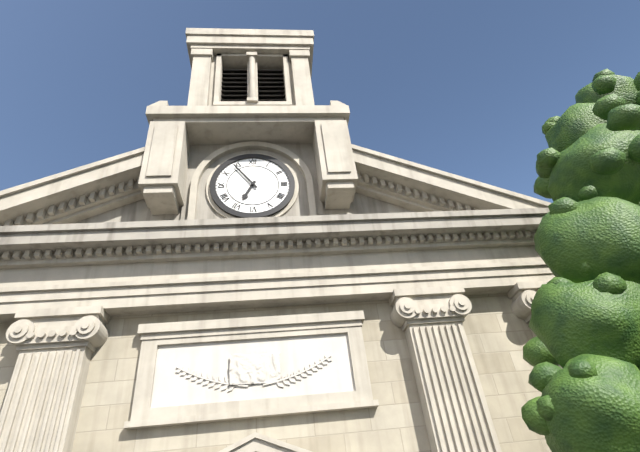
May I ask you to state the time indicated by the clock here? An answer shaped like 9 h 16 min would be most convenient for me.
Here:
6 h 54 min
